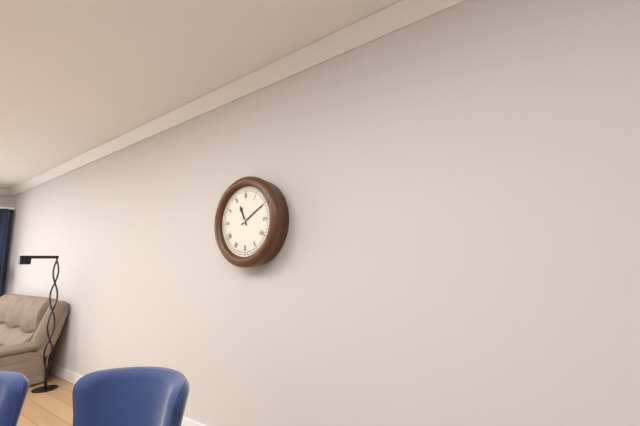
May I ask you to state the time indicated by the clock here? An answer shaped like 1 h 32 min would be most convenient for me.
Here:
11 h 10 min
